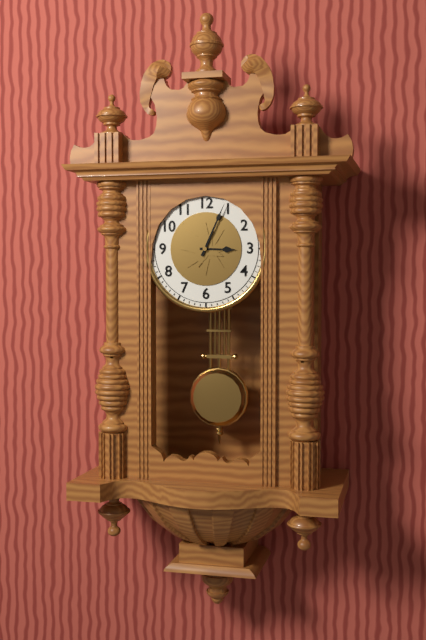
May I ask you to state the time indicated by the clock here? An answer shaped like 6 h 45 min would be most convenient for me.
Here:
3 h 04 min
